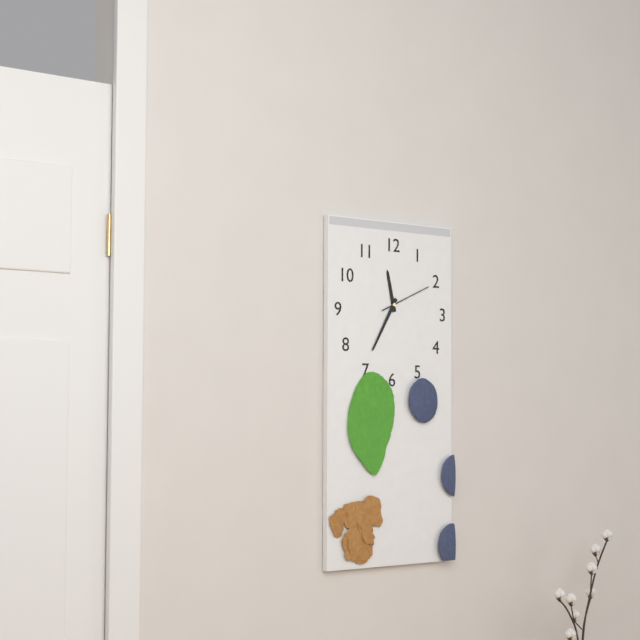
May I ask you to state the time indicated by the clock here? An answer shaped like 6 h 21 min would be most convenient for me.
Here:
11 h 35 min
